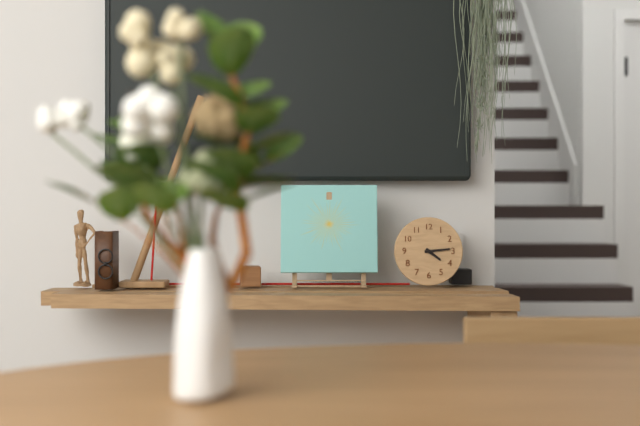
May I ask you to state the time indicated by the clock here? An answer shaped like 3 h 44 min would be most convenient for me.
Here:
4 h 14 min
